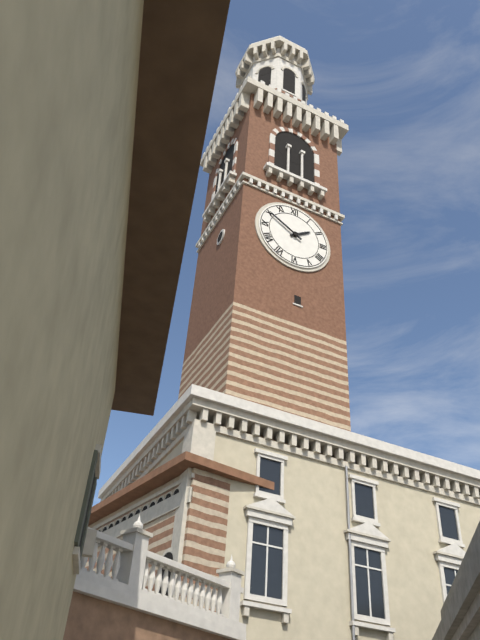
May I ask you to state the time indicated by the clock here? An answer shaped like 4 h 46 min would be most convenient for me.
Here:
1 h 50 min
